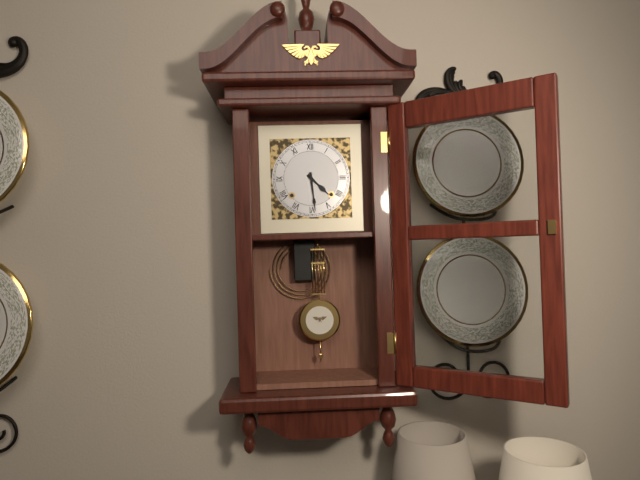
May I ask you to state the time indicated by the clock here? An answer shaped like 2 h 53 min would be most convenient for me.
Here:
4 h 29 min
